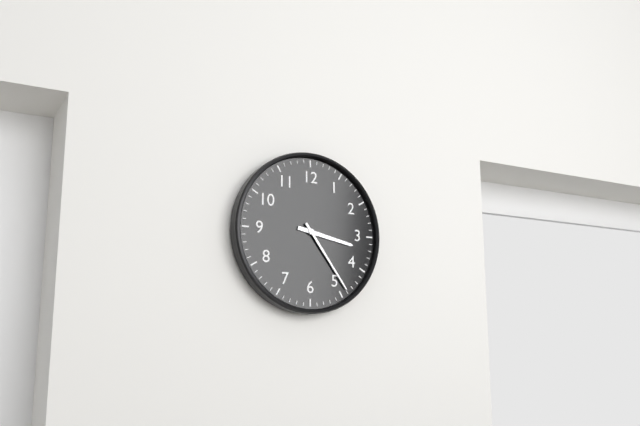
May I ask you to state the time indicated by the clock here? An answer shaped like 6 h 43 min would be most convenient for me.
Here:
3 h 24 min
